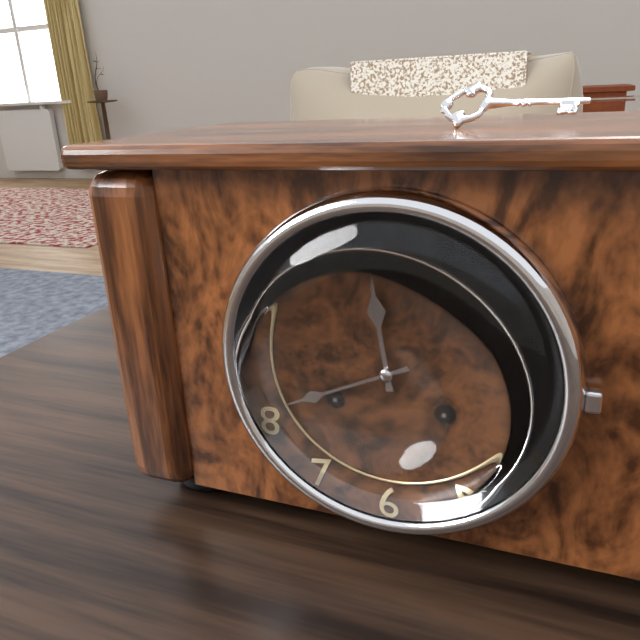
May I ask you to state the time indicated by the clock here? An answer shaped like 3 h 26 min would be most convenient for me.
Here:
11 h 41 min
